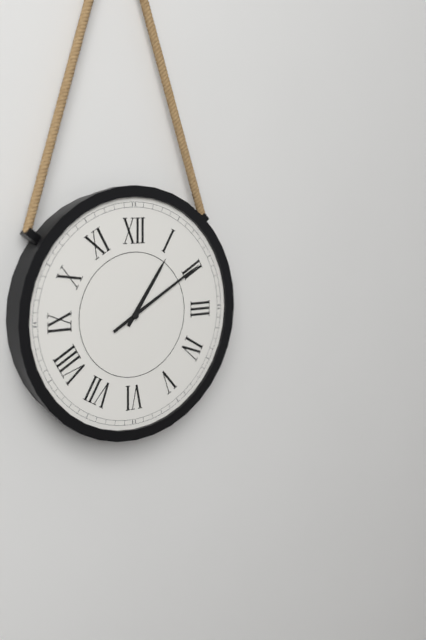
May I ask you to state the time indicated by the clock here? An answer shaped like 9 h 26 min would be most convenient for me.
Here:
1 h 10 min
